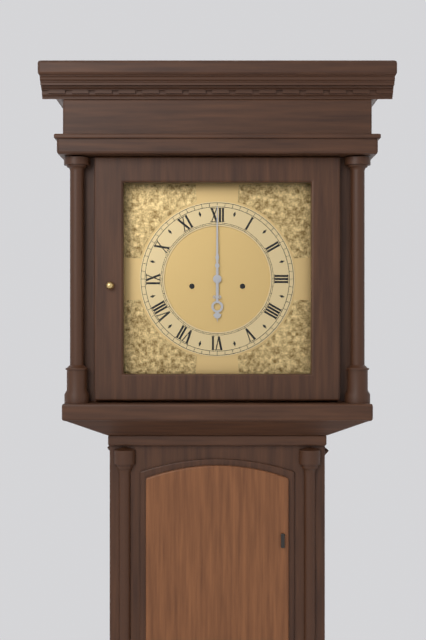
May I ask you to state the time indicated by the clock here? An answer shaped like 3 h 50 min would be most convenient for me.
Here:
6 h 00 min
